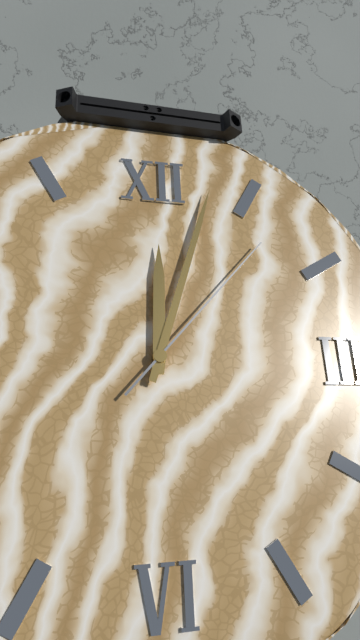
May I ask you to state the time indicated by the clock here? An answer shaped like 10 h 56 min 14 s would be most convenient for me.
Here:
12 h 03 min 07 s
